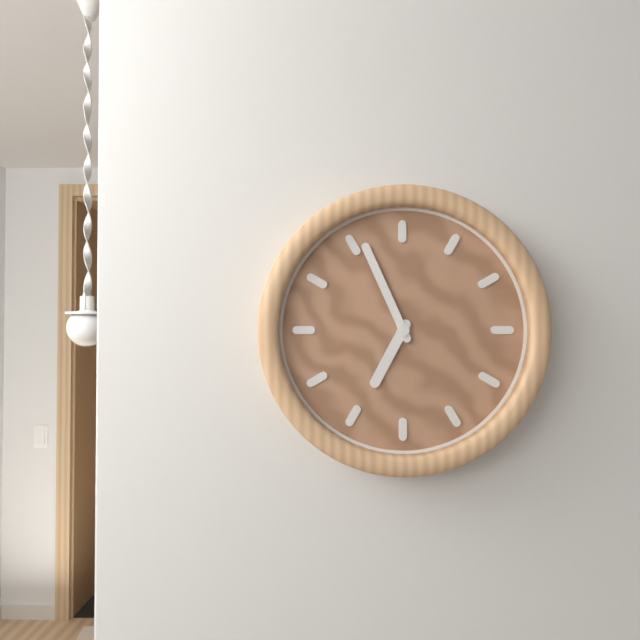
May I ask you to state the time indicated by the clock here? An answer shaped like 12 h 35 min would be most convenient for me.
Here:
6 h 56 min
